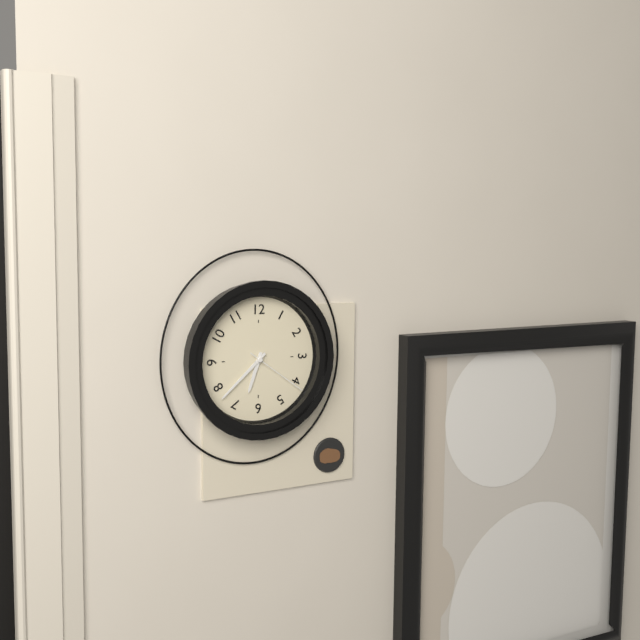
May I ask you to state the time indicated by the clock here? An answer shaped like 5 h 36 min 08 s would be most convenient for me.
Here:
6 h 38 min 21 s
